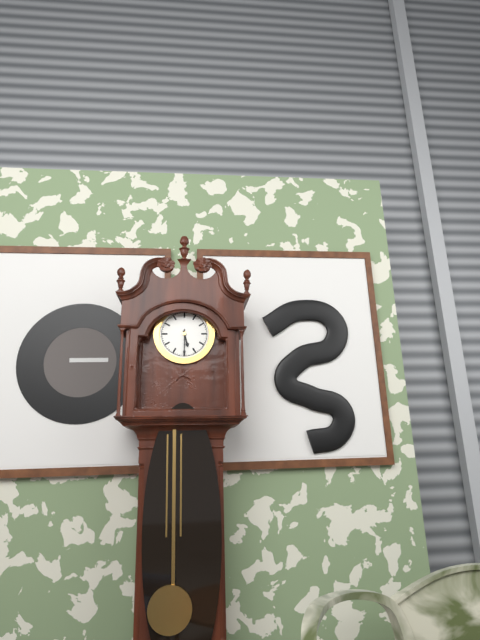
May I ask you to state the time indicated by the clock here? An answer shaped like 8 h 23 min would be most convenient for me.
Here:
5 h 30 min
